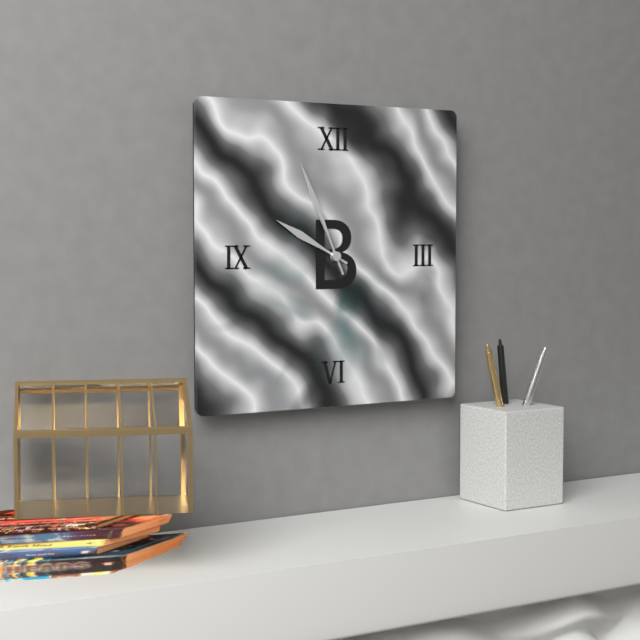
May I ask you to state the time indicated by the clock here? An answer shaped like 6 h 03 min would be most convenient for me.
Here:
9 h 56 min
